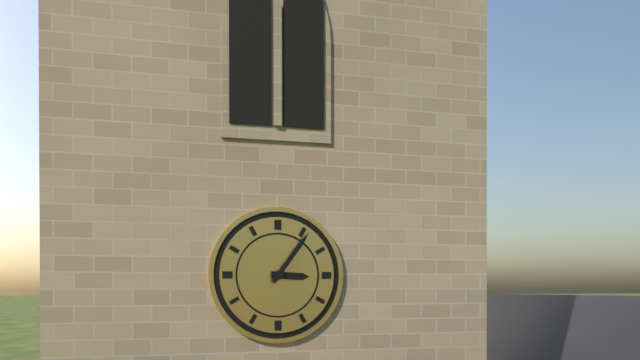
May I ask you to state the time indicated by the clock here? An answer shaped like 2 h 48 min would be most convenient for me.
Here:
3 h 06 min
